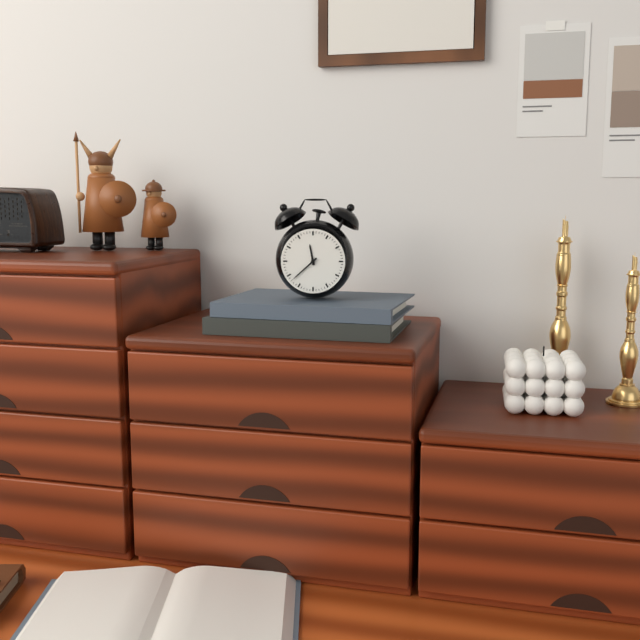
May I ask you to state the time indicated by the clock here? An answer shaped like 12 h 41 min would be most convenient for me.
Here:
11 h 38 min
